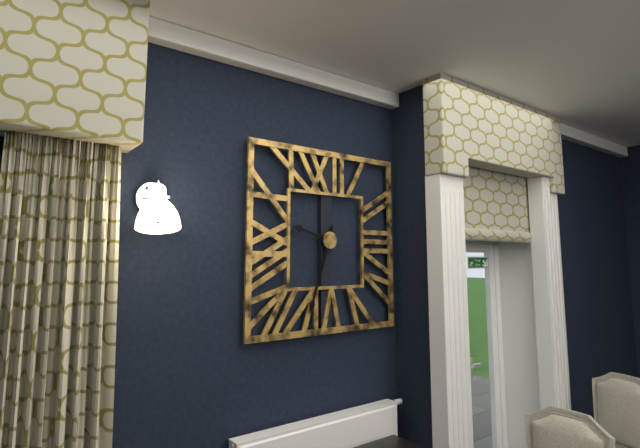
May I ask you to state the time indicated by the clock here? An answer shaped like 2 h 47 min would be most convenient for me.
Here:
9 h 33 min
